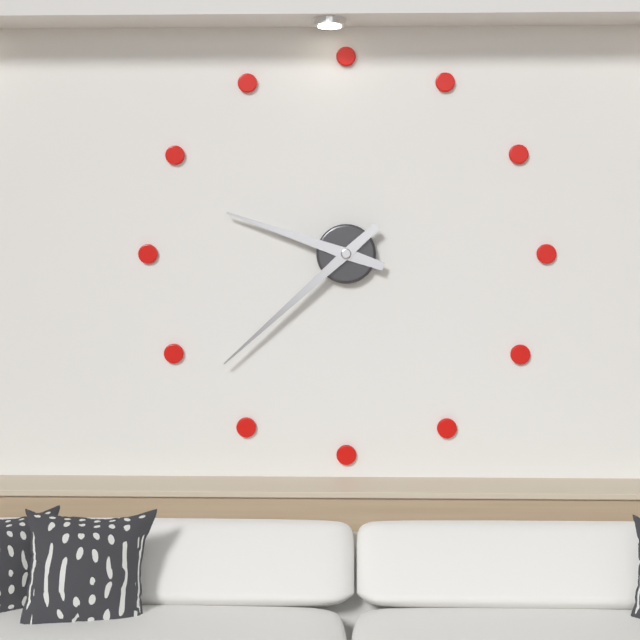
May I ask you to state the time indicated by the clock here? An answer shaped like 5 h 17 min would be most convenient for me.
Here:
9 h 38 min
